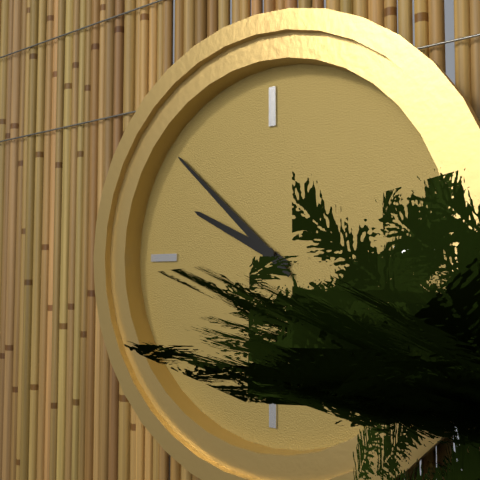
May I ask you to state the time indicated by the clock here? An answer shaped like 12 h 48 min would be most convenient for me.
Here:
9 h 52 min
